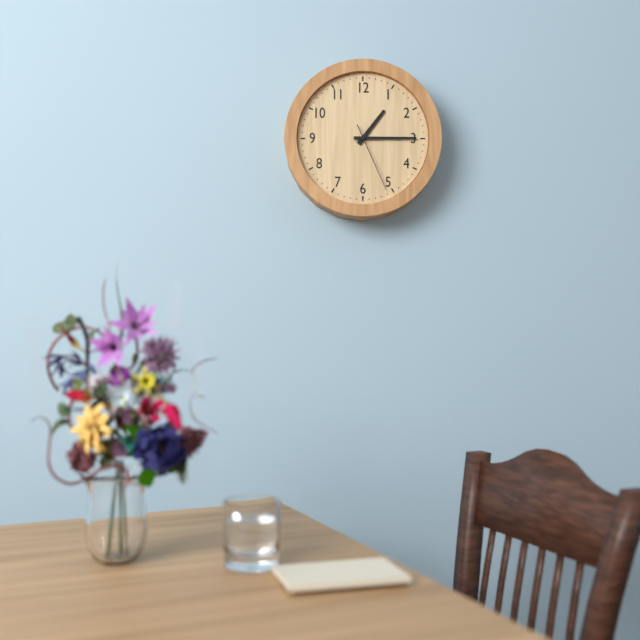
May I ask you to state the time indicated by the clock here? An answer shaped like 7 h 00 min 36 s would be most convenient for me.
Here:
1 h 15 min 26 s
